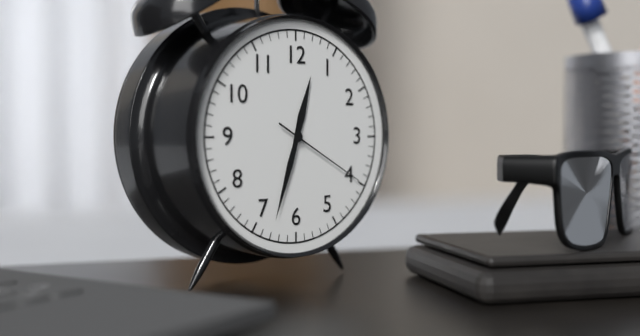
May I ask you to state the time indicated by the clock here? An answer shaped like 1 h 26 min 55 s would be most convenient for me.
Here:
12 h 33 min 20 s
